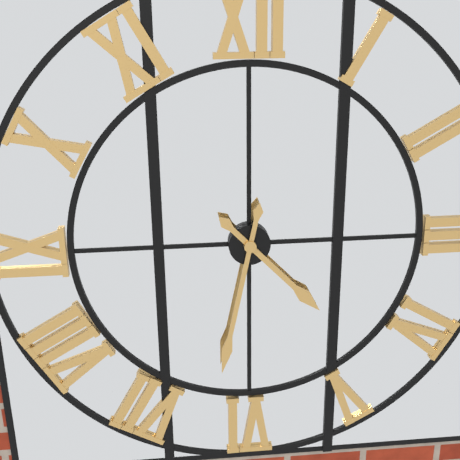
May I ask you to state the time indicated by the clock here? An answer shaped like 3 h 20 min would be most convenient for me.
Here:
4 h 32 min
